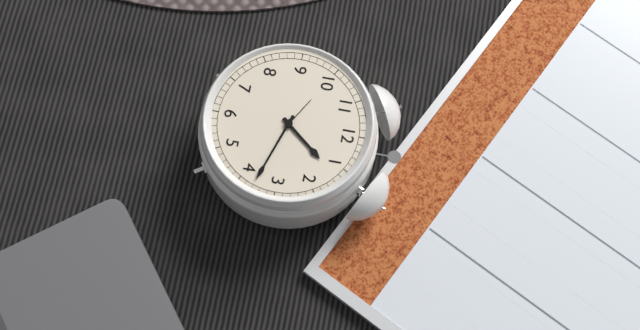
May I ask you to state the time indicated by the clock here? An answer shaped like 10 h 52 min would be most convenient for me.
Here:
1 h 18 min
